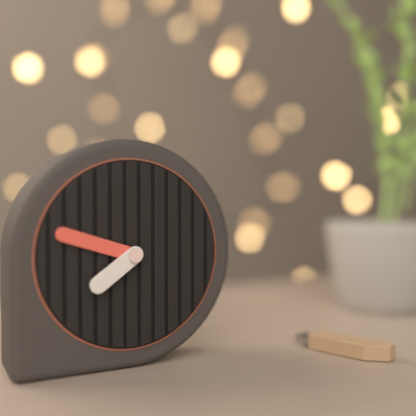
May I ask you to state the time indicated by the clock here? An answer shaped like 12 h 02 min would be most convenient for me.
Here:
7 h 48 min
